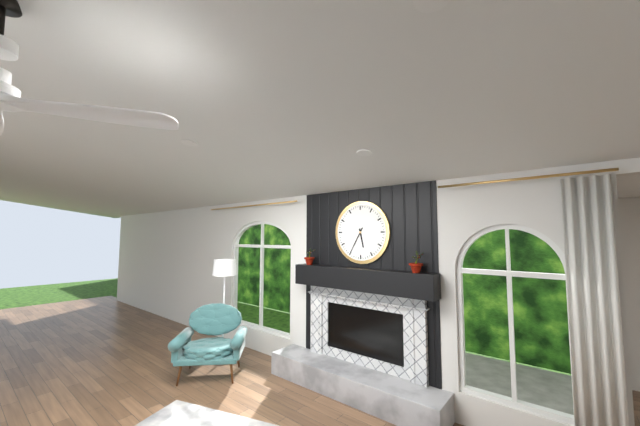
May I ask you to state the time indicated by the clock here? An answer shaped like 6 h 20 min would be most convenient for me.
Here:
5 h 35 min
